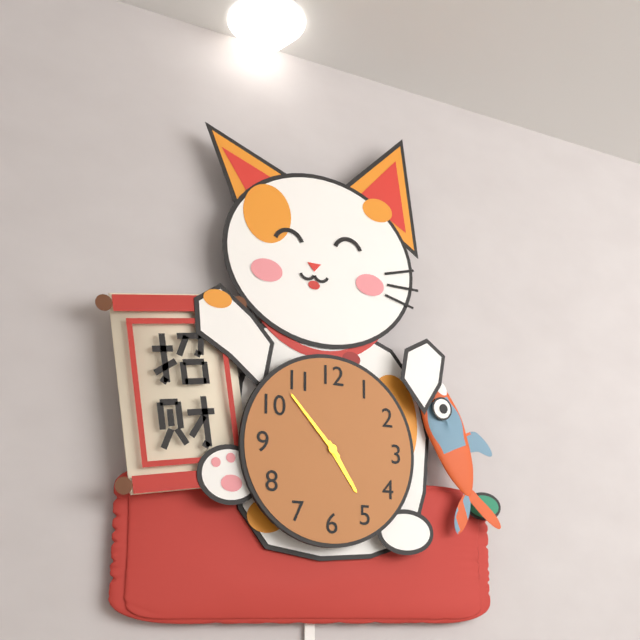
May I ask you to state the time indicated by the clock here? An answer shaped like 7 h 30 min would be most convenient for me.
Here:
4 h 53 min
